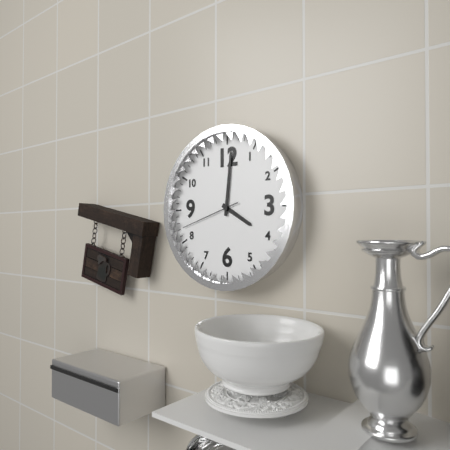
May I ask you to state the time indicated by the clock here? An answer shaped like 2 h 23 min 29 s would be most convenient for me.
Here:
4 h 01 min 42 s
